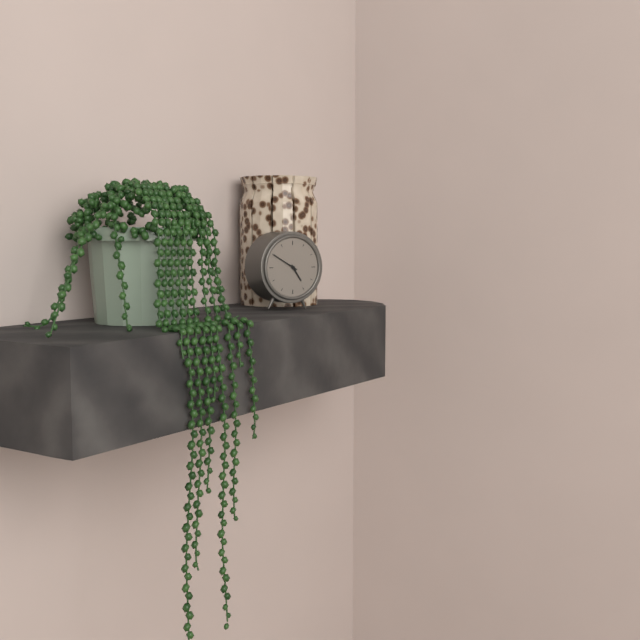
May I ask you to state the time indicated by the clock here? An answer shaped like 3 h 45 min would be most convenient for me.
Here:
4 h 50 min
